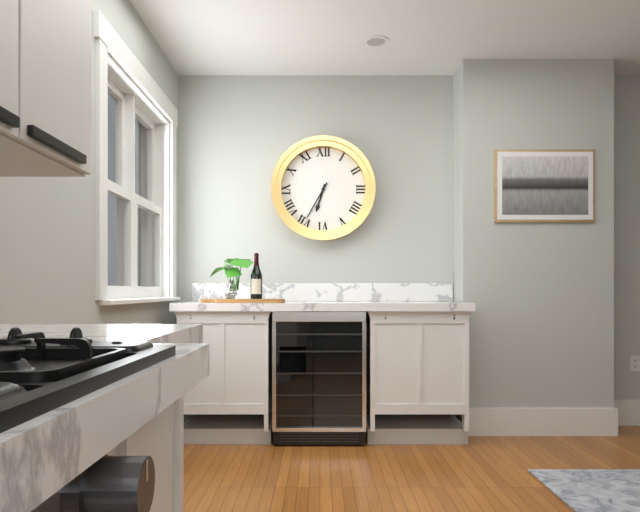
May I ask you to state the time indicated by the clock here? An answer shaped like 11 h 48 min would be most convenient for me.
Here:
6 h 35 min
